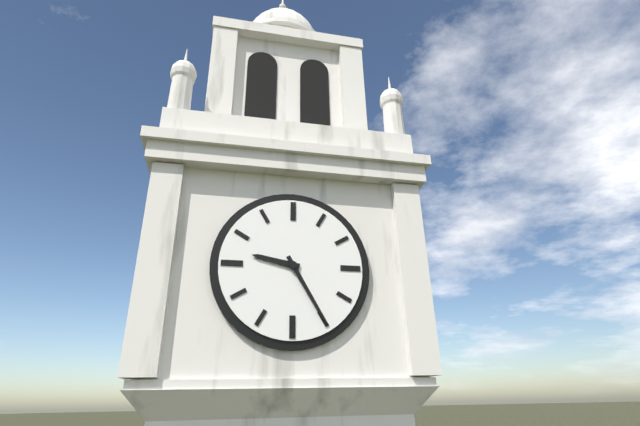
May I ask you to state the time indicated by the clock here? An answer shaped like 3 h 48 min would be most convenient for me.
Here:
9 h 25 min
